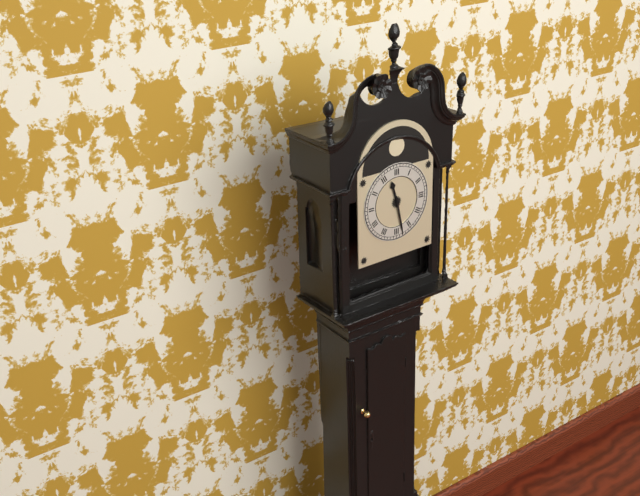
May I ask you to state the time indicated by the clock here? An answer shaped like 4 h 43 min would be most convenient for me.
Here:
11 h 28 min
